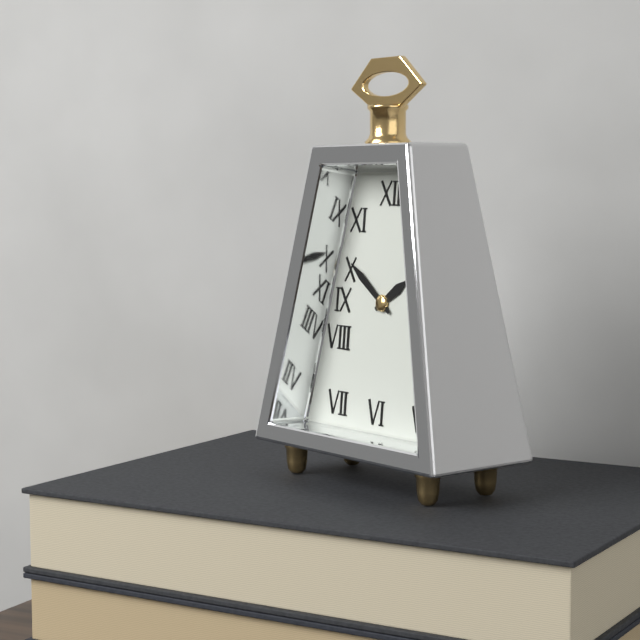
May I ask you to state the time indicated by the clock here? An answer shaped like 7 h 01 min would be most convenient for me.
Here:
1 h 51 min
